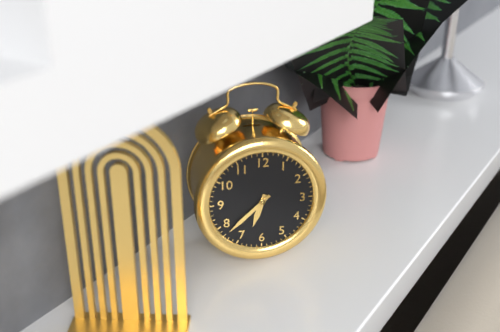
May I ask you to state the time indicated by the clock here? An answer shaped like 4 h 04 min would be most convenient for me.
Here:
6 h 38 min
